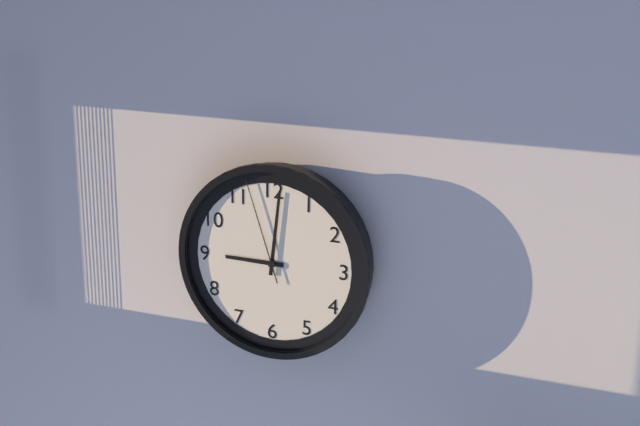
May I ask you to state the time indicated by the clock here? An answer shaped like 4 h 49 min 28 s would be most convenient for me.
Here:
9 h 01 min 57 s
